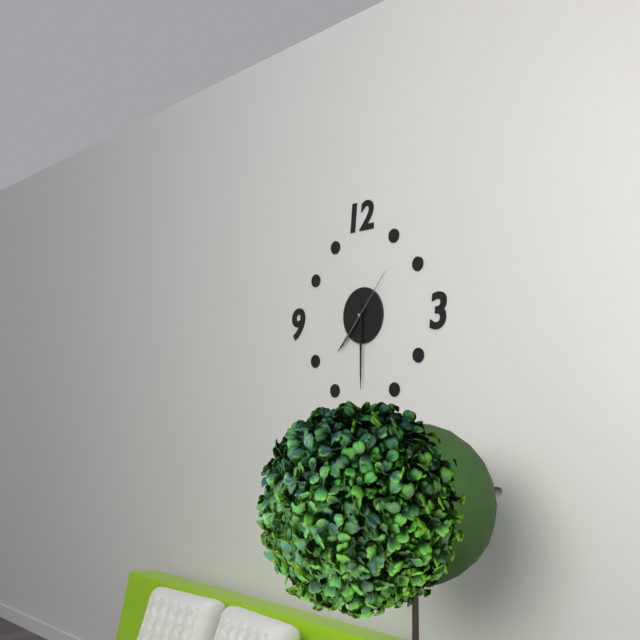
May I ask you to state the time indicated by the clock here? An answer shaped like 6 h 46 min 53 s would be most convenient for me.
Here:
7 h 30 min 07 s
